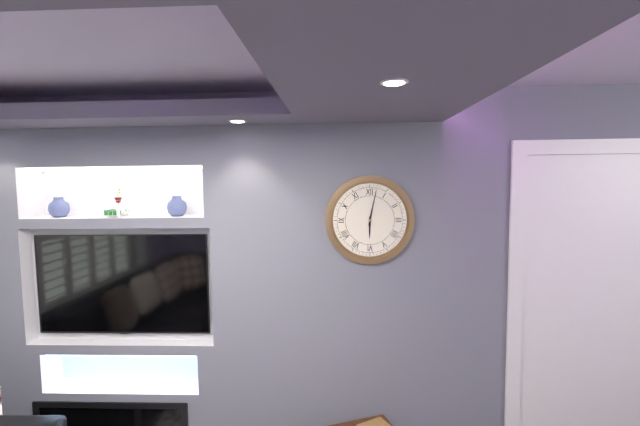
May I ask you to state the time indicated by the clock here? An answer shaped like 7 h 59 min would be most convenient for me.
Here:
6 h 02 min
